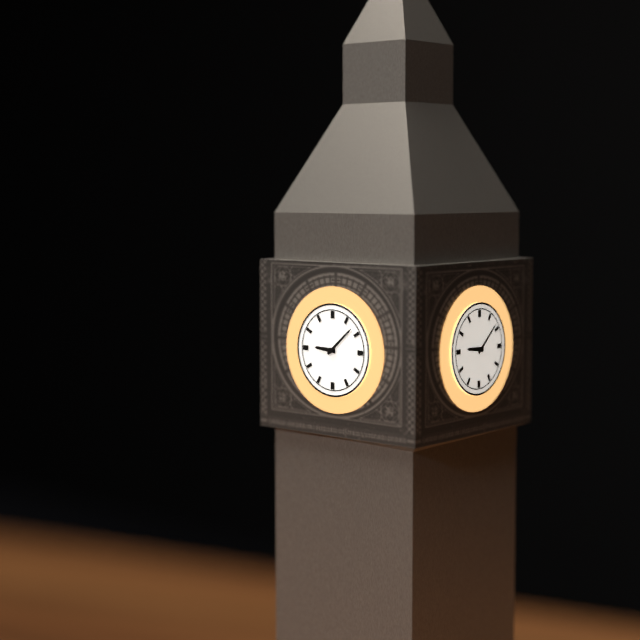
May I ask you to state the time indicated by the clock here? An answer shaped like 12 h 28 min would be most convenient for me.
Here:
9 h 08 min
